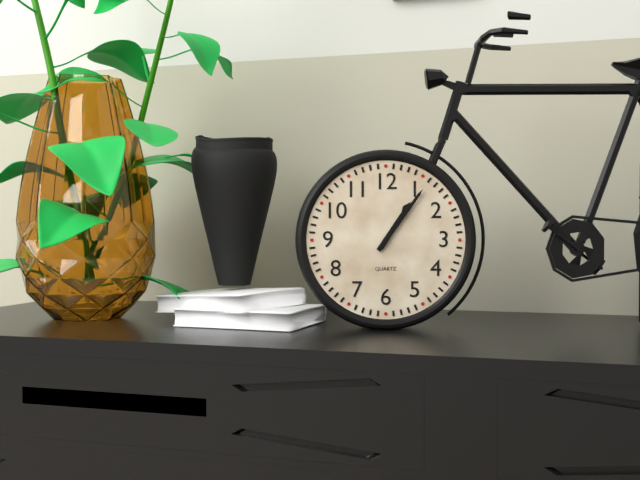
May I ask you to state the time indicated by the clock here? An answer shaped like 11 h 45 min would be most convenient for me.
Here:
1 h 06 min
